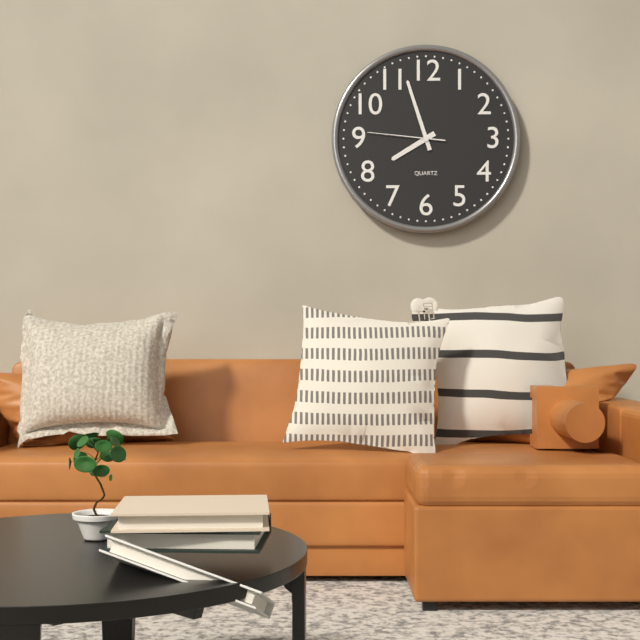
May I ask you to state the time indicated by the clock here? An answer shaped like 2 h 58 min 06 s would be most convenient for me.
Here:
7 h 57 min 46 s
